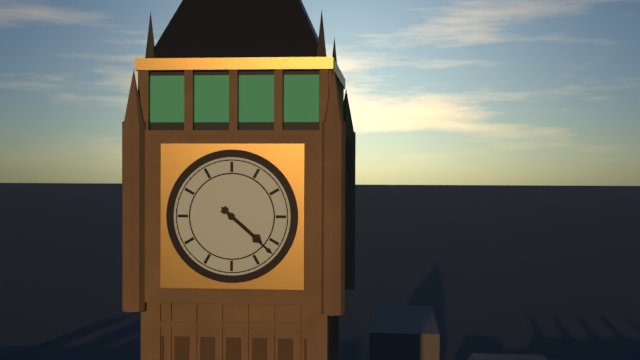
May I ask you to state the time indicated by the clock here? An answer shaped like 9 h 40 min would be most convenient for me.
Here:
4 h 22 min
